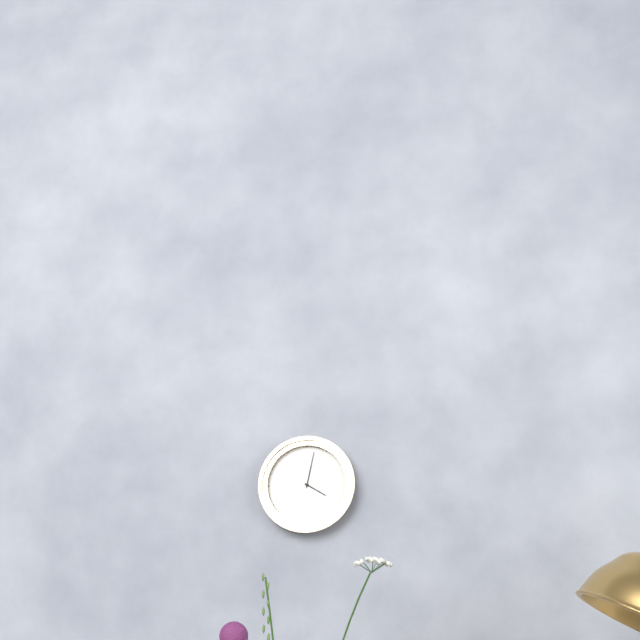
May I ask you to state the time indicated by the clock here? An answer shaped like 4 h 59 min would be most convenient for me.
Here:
4 h 02 min
